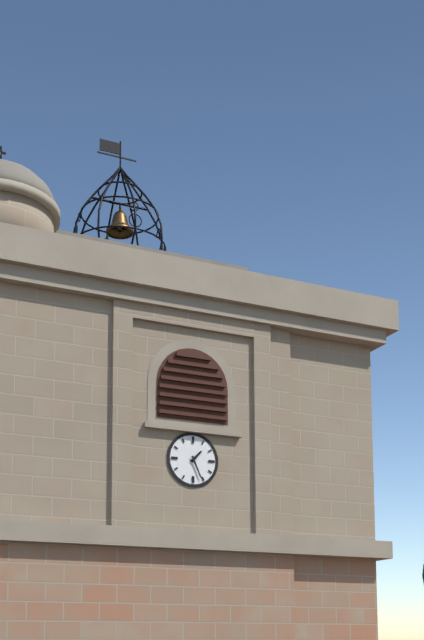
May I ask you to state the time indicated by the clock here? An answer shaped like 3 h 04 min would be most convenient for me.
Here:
1 h 26 min
